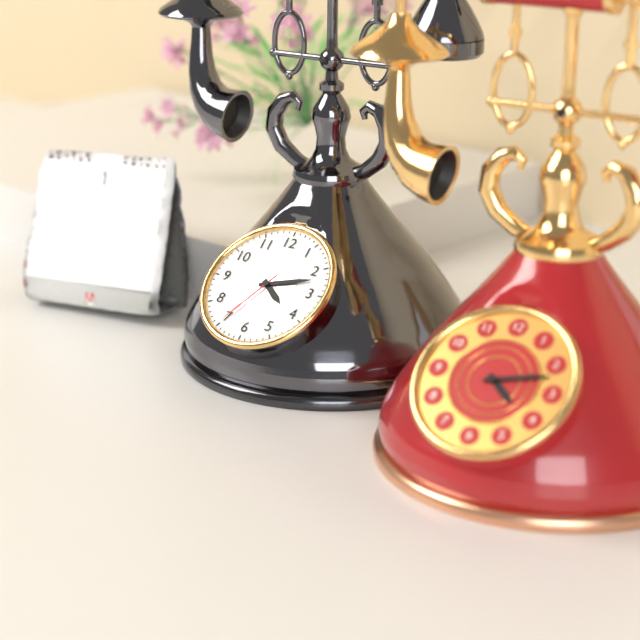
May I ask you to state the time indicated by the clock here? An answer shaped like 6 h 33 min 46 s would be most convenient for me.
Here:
4 h 12 min 35 s
